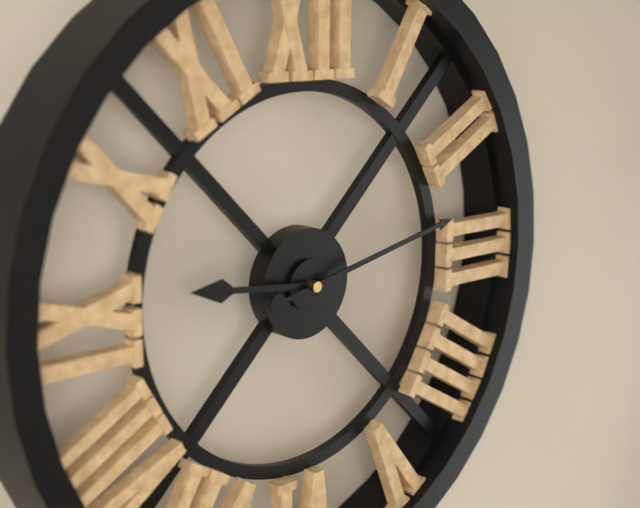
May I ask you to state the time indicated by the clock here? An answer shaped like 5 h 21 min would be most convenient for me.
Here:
9 h 13 min
